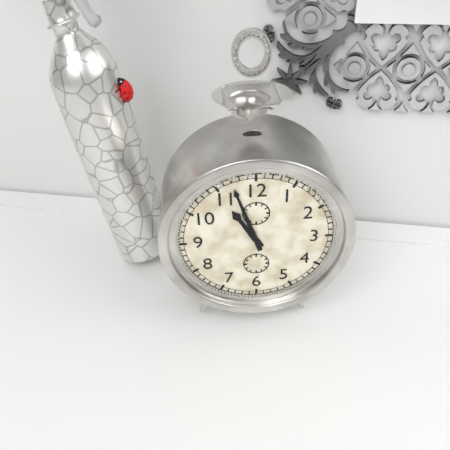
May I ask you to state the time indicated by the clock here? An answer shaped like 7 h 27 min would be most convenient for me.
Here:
10 h 57 min
